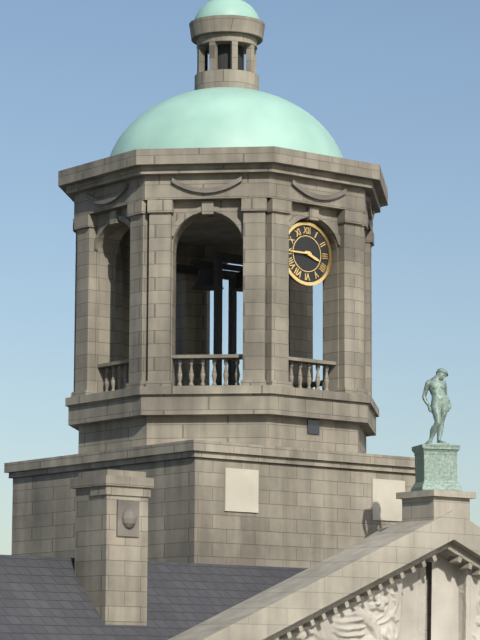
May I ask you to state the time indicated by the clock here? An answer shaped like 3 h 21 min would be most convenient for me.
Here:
3 h 45 min
